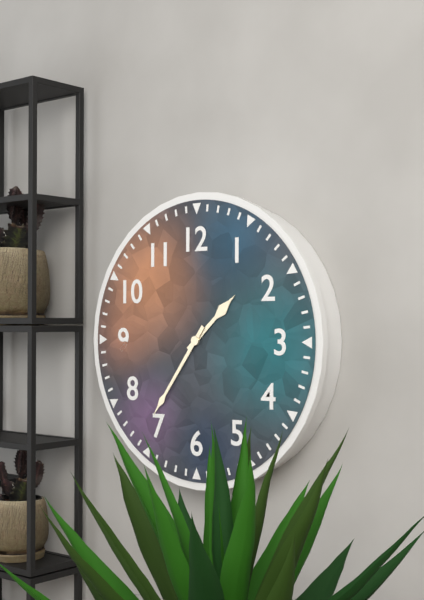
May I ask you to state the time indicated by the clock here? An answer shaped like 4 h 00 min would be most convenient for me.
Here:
1 h 36 min
